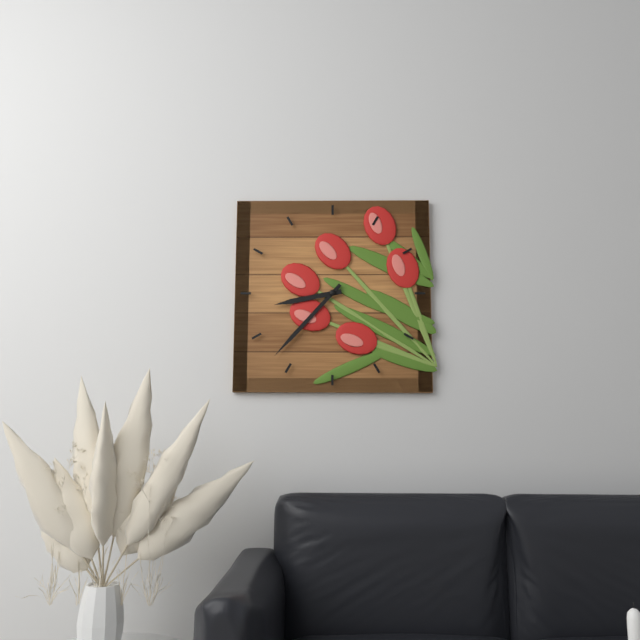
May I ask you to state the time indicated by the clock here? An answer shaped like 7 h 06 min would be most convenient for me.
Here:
8 h 37 min
